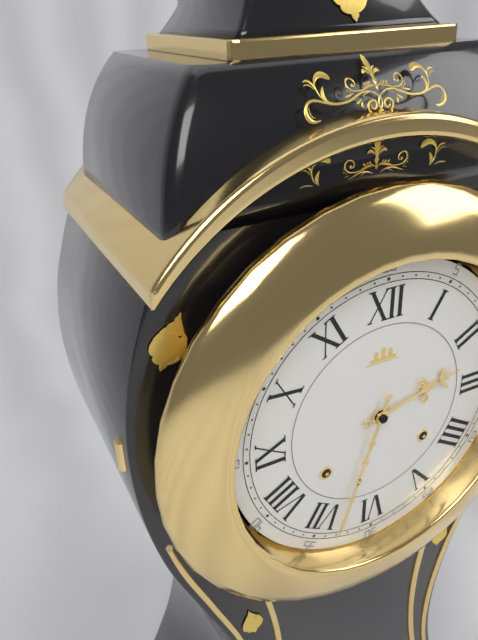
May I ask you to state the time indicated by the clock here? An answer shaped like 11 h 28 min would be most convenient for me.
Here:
2 h 33 min
